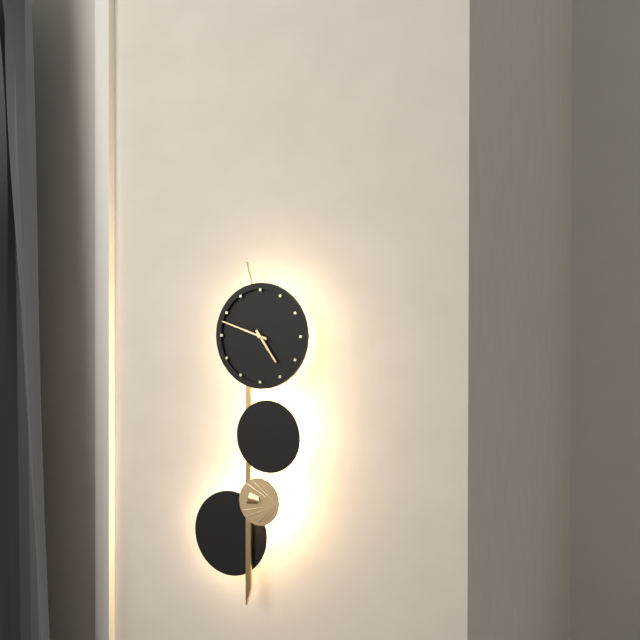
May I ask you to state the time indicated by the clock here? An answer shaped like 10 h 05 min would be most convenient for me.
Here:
4 h 48 min
